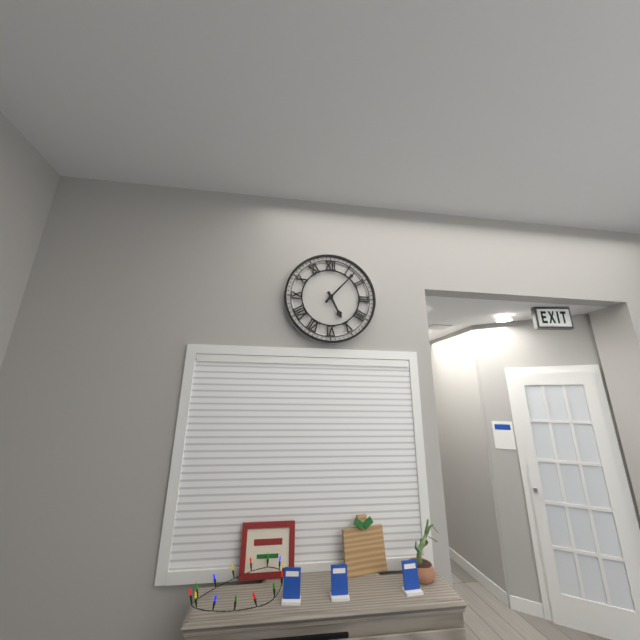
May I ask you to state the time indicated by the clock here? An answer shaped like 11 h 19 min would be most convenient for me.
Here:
5 h 07 min
